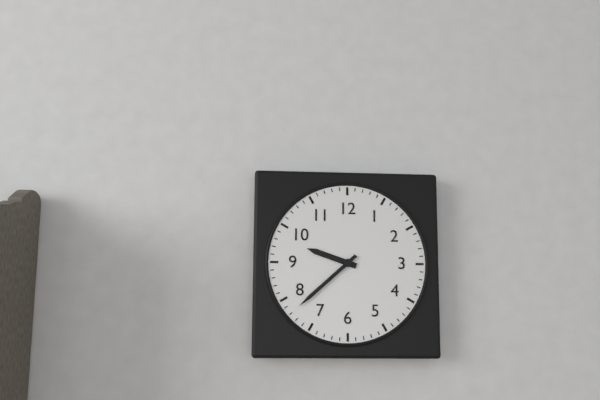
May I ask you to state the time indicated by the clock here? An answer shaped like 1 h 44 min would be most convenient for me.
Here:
9 h 38 min
